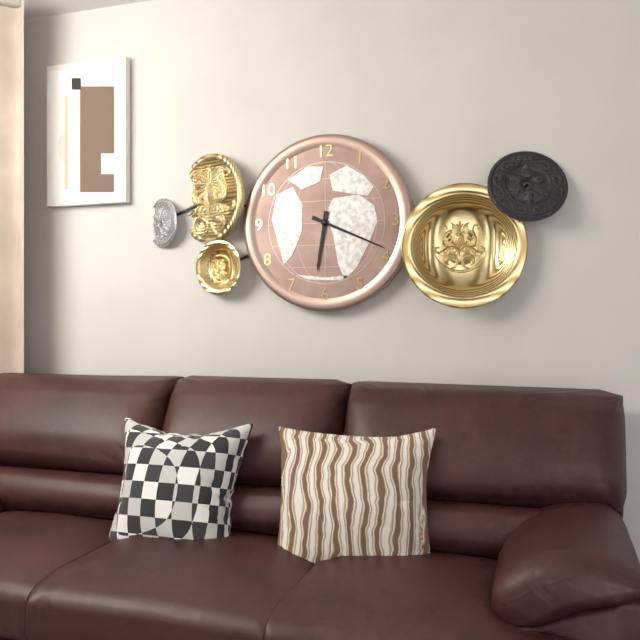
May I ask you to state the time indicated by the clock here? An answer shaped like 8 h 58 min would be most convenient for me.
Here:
6 h 19 min
